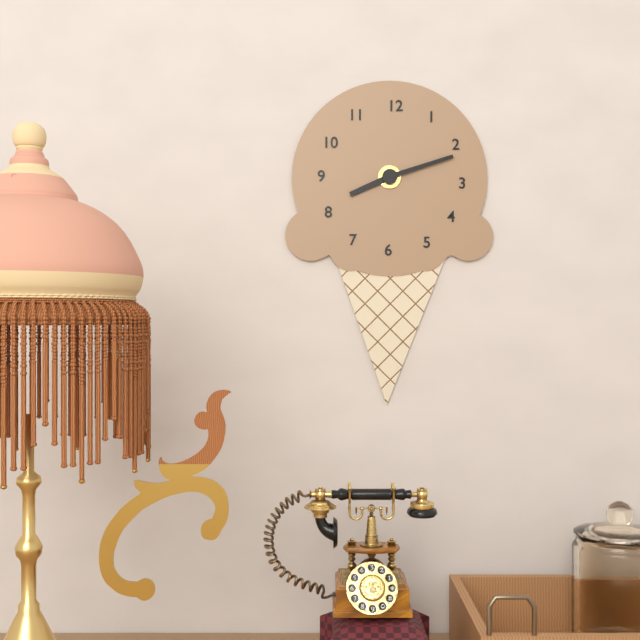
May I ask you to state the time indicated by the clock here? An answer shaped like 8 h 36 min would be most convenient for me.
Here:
8 h 12 min
